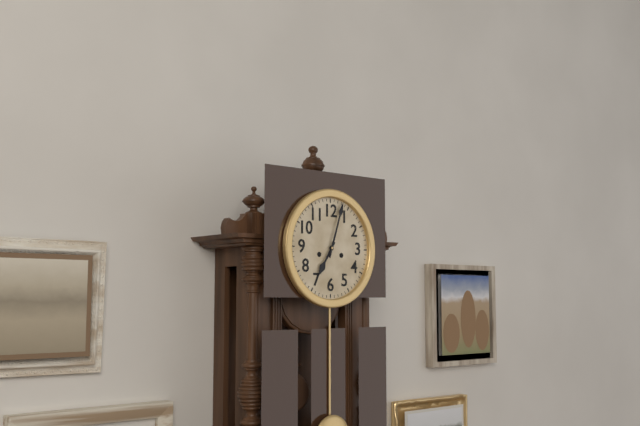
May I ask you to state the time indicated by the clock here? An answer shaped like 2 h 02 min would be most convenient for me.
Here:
7 h 03 min
